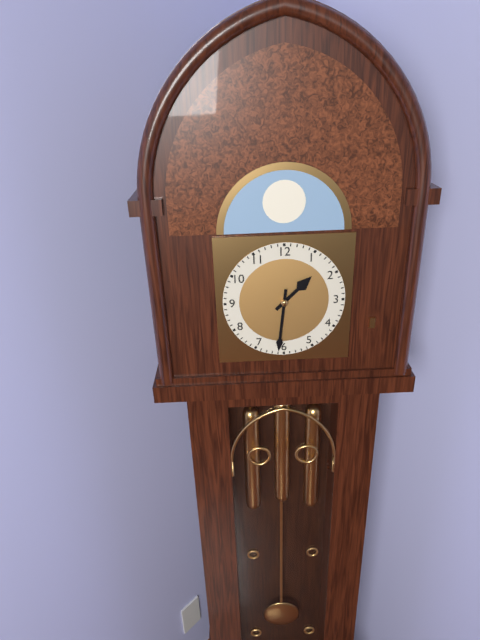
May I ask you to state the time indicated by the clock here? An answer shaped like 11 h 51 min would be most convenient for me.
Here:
1 h 31 min
